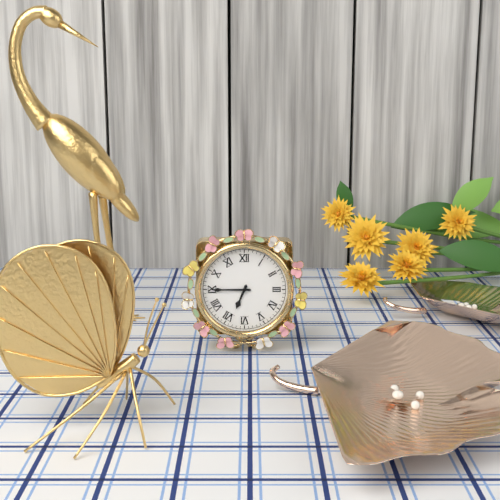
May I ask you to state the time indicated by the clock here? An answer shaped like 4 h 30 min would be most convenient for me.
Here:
6 h 45 min
